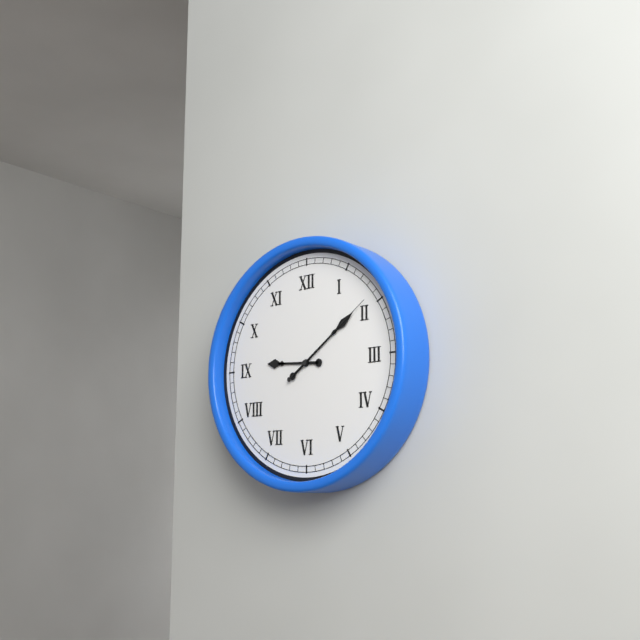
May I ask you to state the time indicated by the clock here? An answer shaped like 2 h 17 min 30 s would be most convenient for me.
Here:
9 h 09 min 09 s
